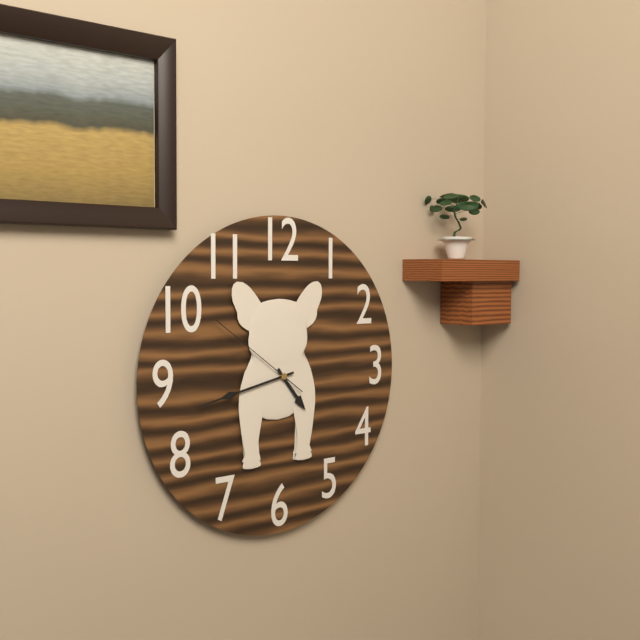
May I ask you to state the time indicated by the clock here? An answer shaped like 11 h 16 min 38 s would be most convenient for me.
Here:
4 h 43 min 51 s
